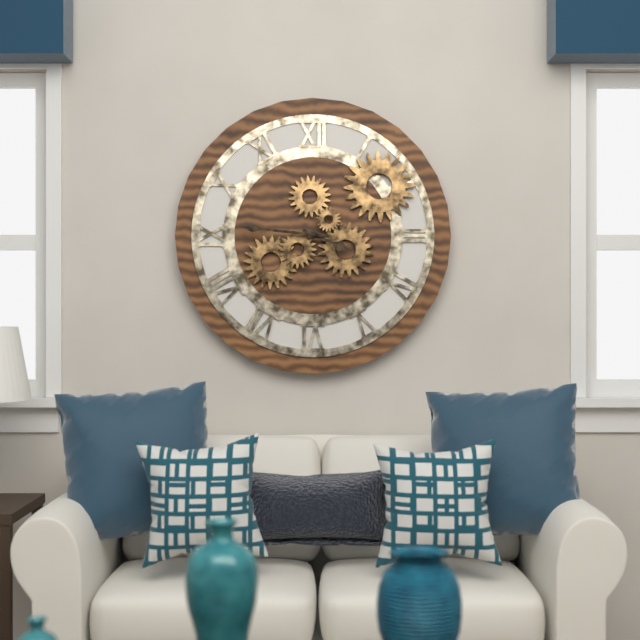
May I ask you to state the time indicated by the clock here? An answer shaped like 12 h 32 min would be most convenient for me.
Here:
3 h 46 min
